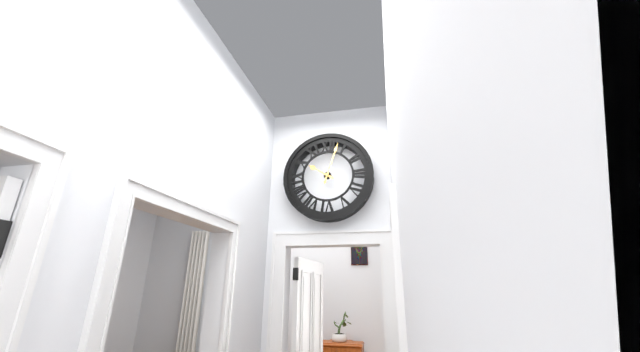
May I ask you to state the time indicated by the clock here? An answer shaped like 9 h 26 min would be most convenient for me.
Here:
10 h 03 min
